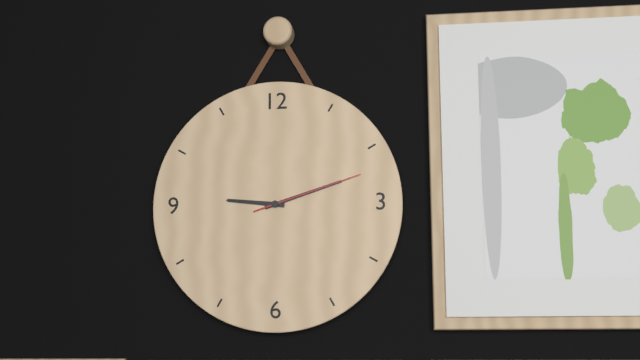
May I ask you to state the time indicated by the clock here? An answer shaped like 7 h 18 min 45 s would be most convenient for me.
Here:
9 h 12 min 12 s
